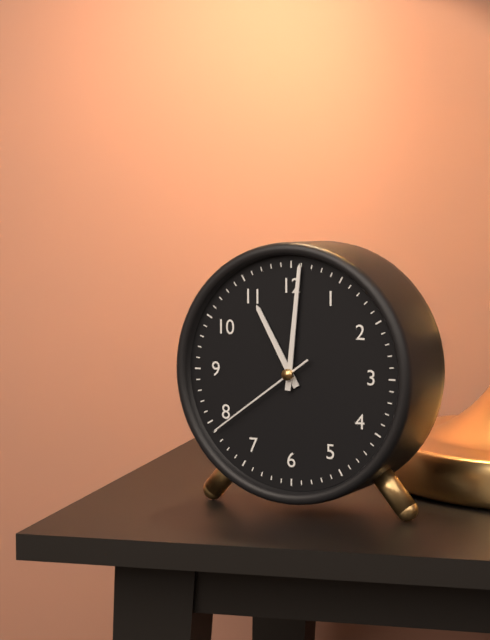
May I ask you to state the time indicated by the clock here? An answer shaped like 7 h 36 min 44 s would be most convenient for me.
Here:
11 h 01 min 39 s
